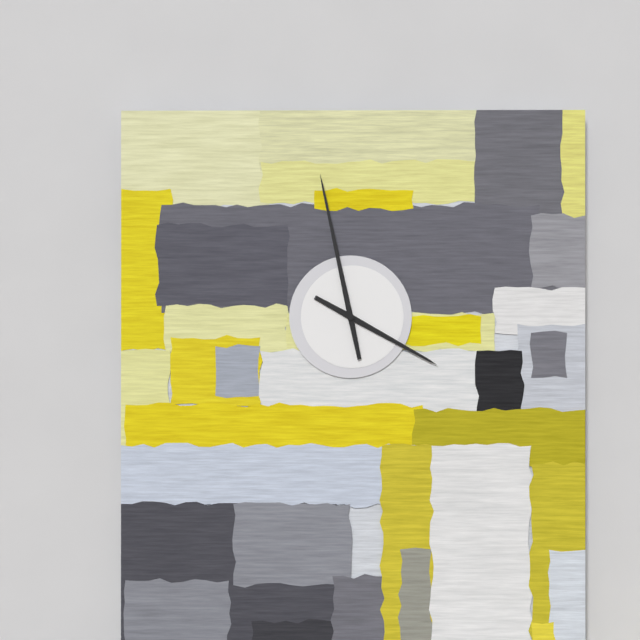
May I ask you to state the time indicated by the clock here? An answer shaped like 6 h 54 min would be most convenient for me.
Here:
3 h 58 min
